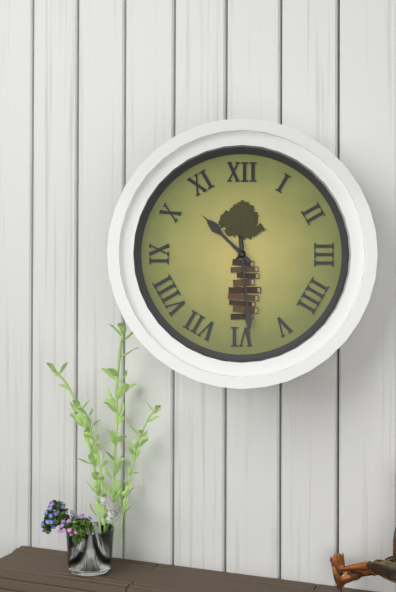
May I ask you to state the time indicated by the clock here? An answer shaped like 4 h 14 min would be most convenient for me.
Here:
10 h 29 min
